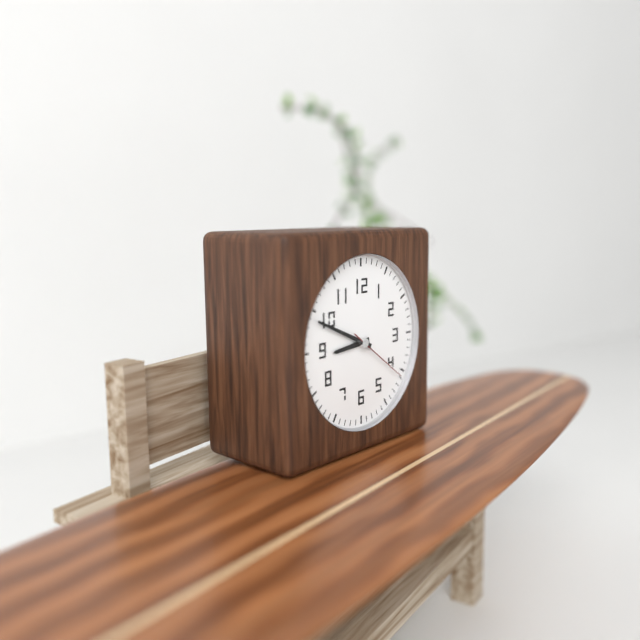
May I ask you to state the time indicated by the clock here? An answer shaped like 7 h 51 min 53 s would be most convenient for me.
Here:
8 h 49 min 21 s
